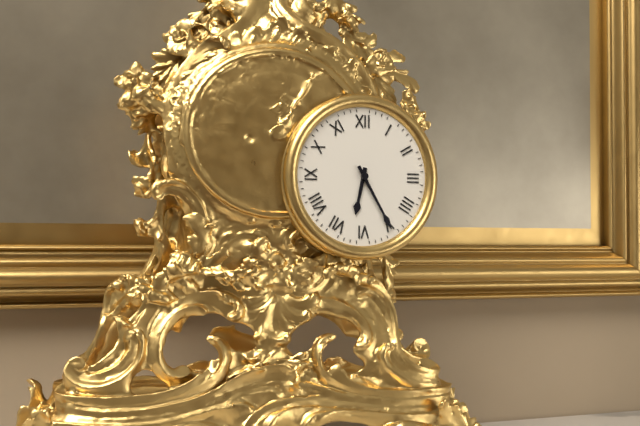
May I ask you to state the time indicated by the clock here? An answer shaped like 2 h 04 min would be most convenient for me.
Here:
6 h 25 min
